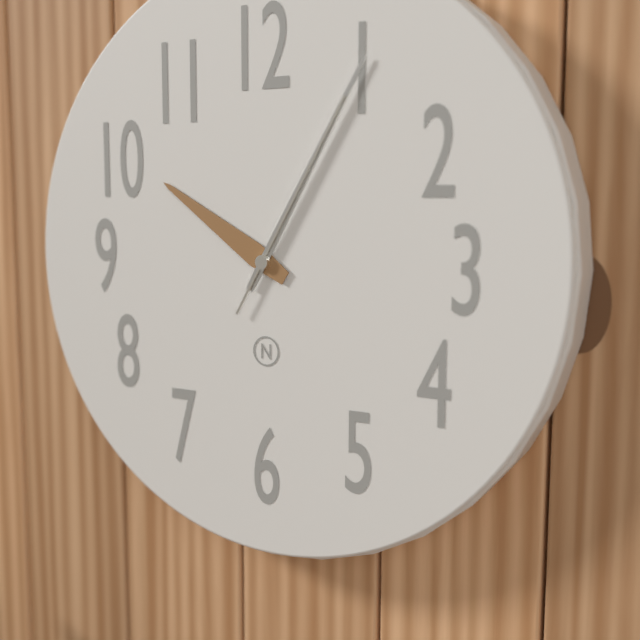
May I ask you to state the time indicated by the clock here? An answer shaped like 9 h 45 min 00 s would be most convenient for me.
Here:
10 h 05 min 05 s
